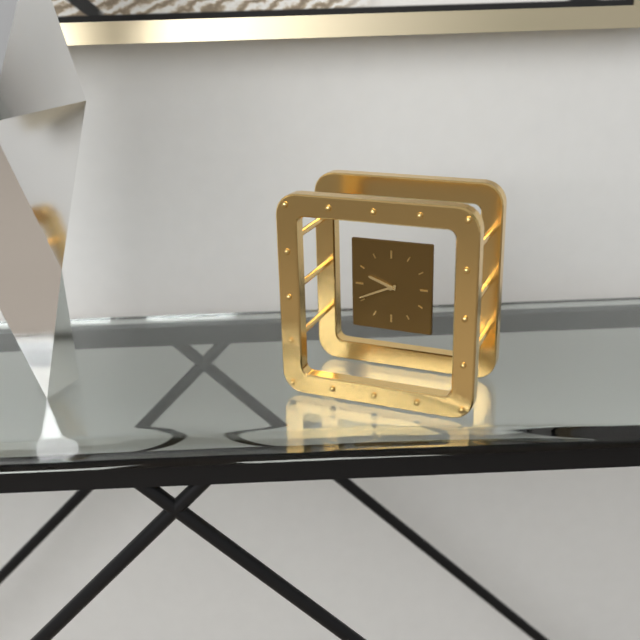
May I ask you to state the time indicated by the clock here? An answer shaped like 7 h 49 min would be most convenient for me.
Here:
9 h 41 min
